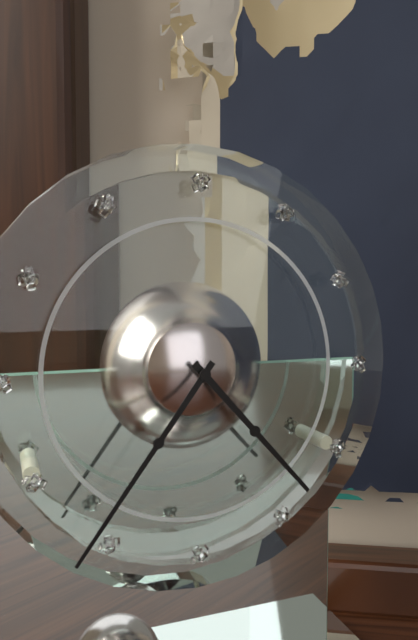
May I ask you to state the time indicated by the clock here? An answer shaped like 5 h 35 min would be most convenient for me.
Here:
4 h 36 min
